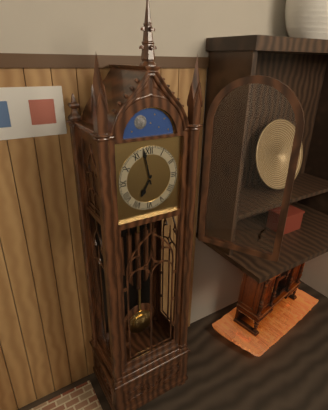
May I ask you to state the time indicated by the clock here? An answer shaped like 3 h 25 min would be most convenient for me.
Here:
6 h 58 min
